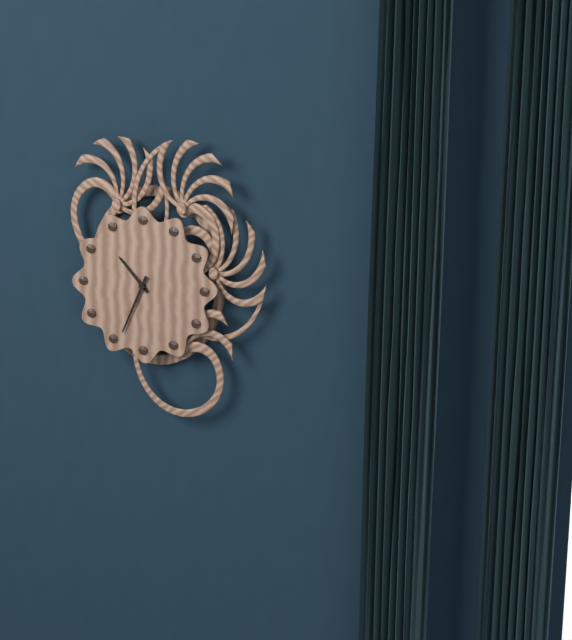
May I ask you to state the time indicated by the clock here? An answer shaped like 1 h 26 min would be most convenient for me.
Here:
10 h 34 min
